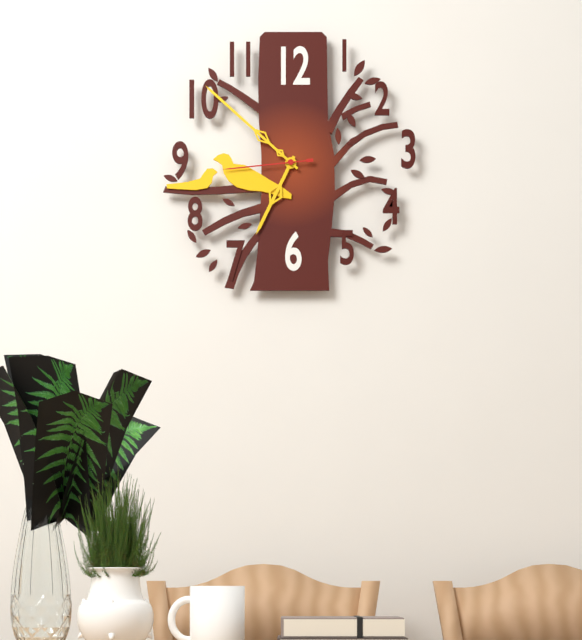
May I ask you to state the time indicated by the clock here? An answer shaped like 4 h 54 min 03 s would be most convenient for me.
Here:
6 h 52 min 44 s
